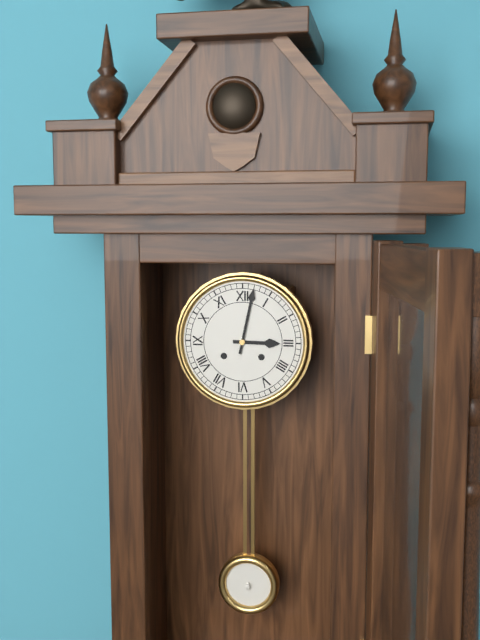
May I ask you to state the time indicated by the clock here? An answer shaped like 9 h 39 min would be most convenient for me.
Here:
3 h 02 min
